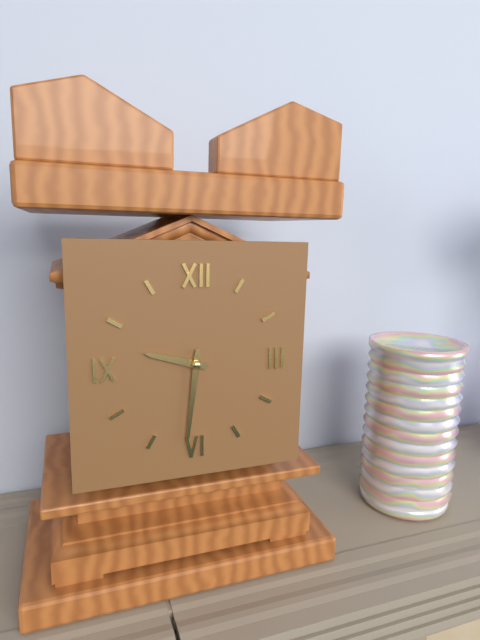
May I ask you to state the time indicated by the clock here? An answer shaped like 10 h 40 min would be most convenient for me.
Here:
9 h 31 min
